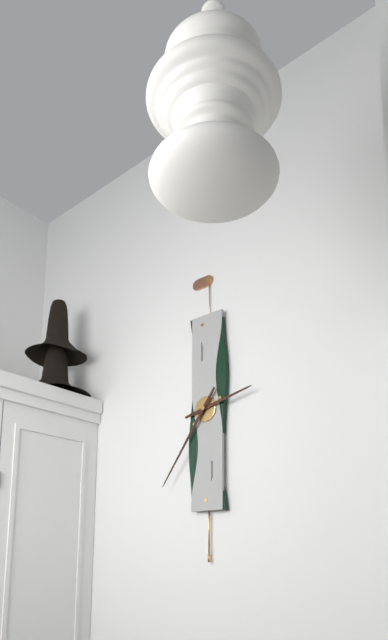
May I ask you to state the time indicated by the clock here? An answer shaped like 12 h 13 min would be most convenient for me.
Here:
2 h 36 min
